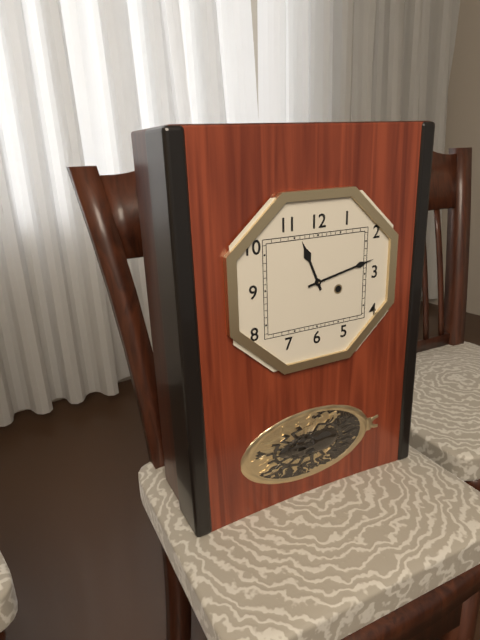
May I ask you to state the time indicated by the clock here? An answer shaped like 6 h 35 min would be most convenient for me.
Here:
11 h 13 min
